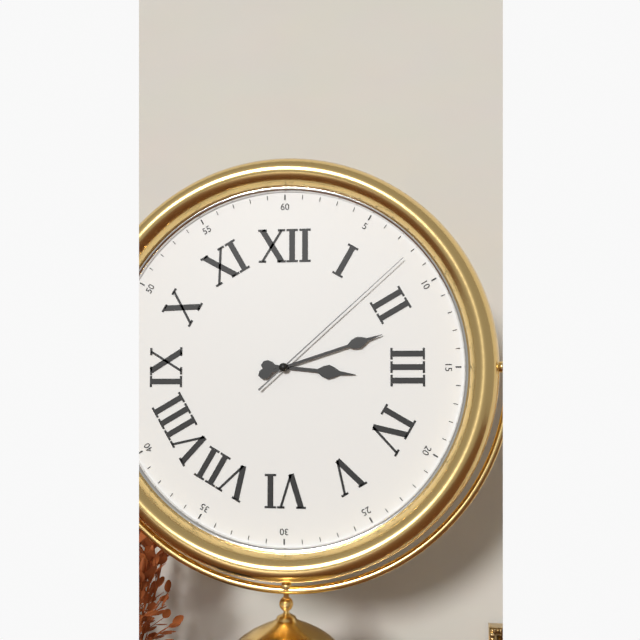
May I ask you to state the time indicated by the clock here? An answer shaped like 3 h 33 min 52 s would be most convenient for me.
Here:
3 h 12 min 08 s
